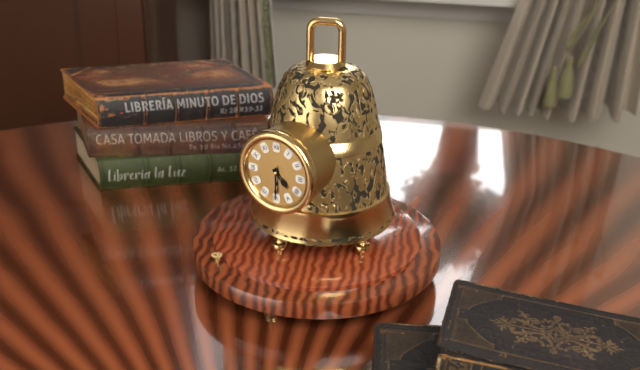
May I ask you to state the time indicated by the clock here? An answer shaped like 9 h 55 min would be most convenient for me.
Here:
4 h 30 min
